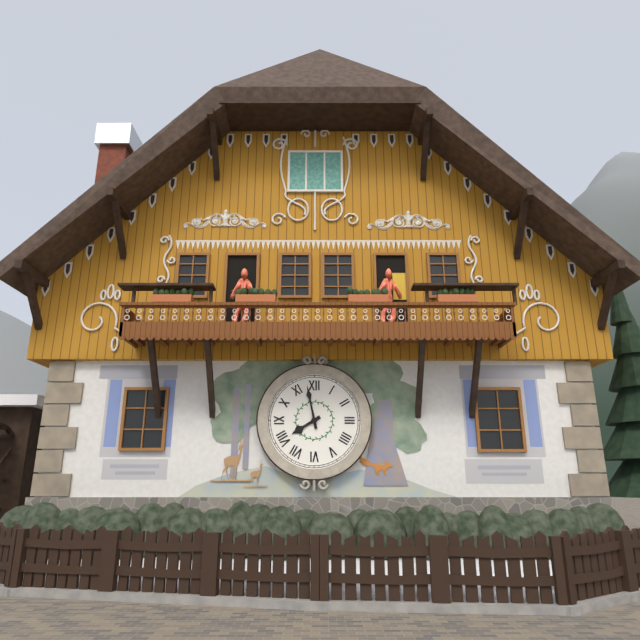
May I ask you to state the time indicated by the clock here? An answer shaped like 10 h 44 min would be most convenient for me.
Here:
7 h 58 min
